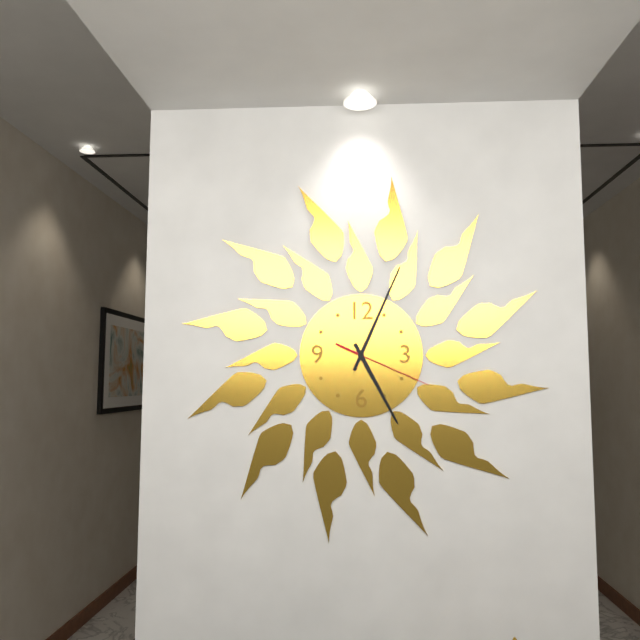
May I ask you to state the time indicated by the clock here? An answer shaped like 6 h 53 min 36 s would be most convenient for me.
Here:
5 h 04 min 19 s
